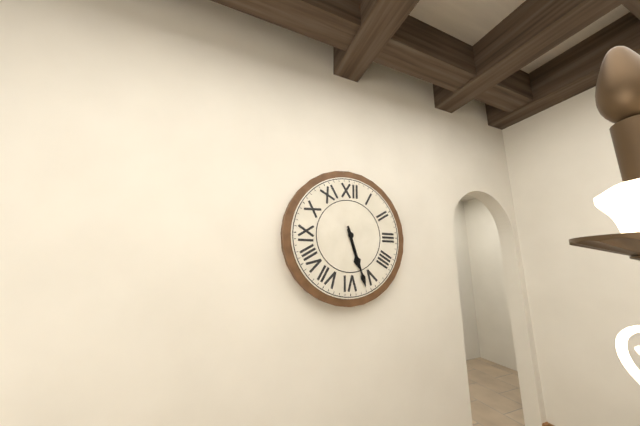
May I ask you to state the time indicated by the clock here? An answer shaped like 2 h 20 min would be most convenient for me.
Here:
5 h 27 min
